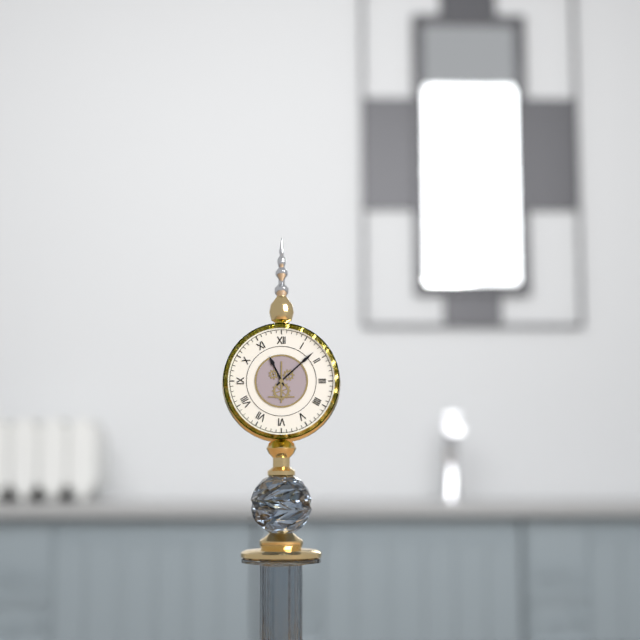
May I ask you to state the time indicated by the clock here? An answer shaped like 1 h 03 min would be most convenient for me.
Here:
11 h 08 min
